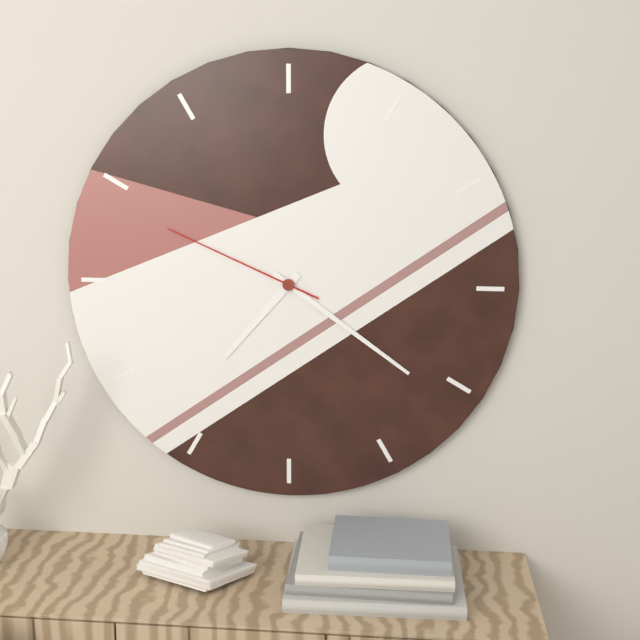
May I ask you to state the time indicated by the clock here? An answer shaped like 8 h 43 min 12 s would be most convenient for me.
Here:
7 h 21 min 49 s
